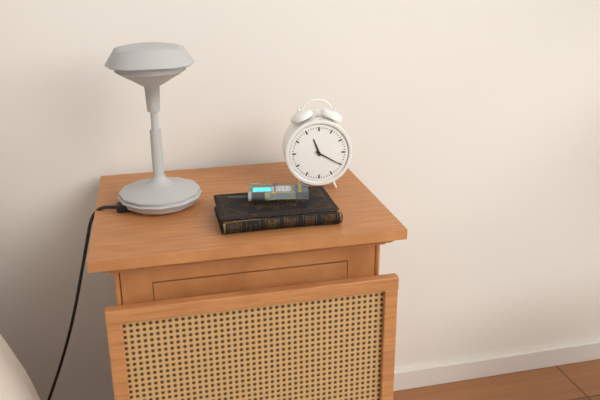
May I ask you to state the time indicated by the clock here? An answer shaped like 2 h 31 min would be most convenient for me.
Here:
11 h 20 min
